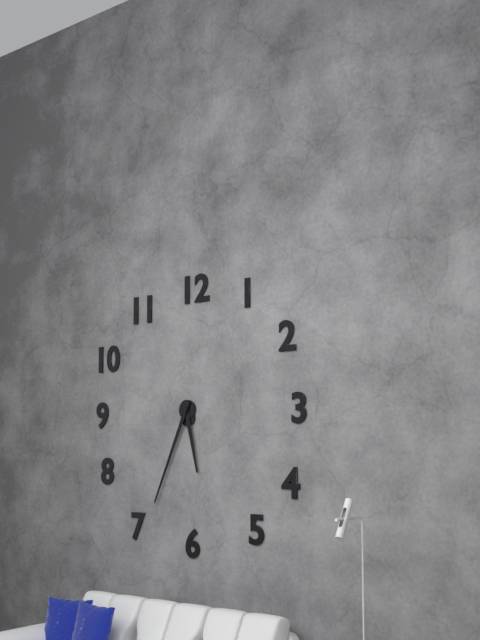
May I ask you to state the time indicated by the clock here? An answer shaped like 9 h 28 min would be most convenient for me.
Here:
5 h 34 min
